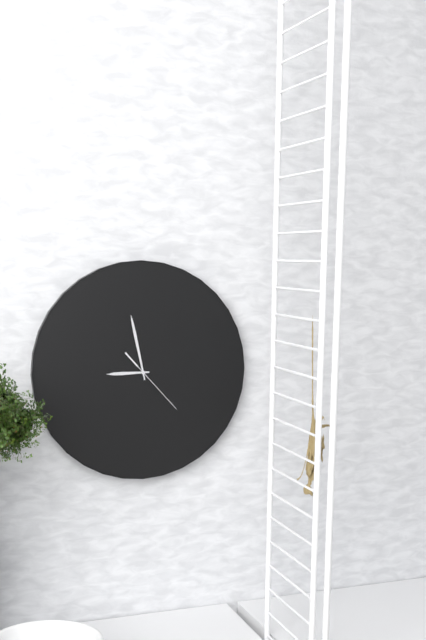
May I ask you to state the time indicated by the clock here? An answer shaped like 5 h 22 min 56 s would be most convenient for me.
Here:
8 h 58 min 23 s
